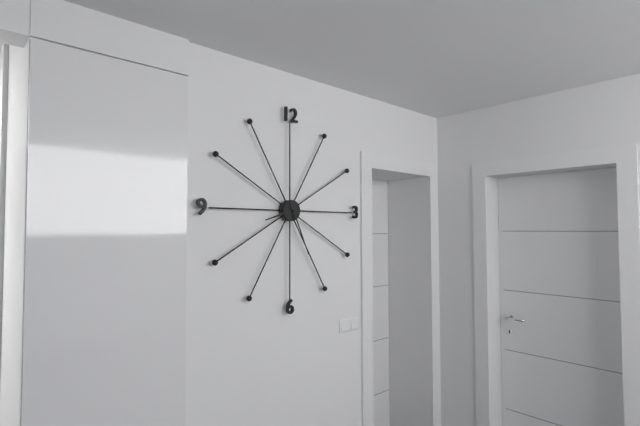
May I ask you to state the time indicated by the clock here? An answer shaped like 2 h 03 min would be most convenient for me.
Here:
8 h 26 min
